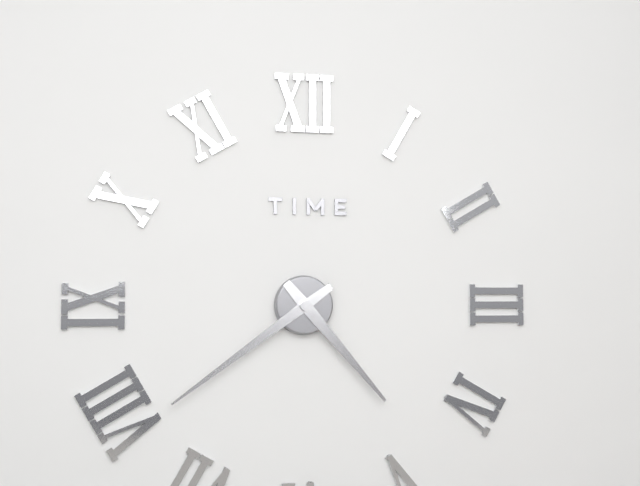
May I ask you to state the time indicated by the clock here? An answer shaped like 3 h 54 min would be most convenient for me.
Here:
4 h 39 min
